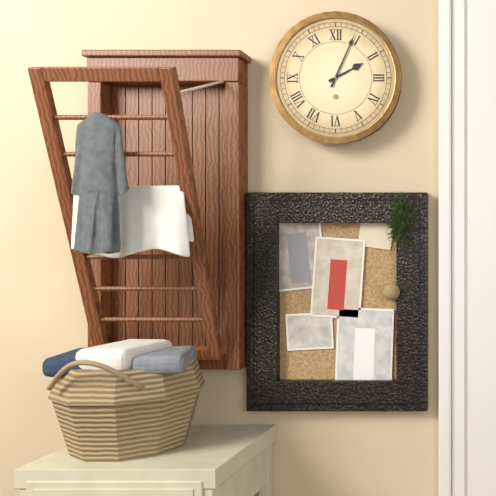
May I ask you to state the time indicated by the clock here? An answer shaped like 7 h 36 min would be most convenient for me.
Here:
2 h 04 min
